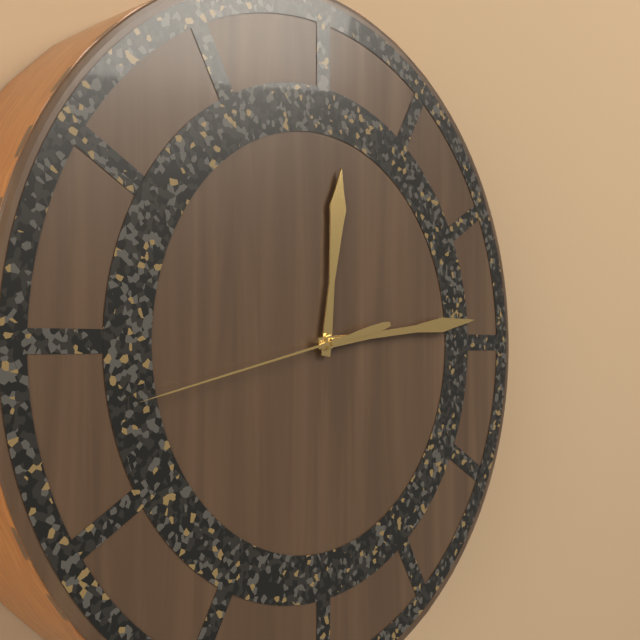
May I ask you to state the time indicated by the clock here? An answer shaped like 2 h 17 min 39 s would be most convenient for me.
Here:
12 h 14 min 43 s
